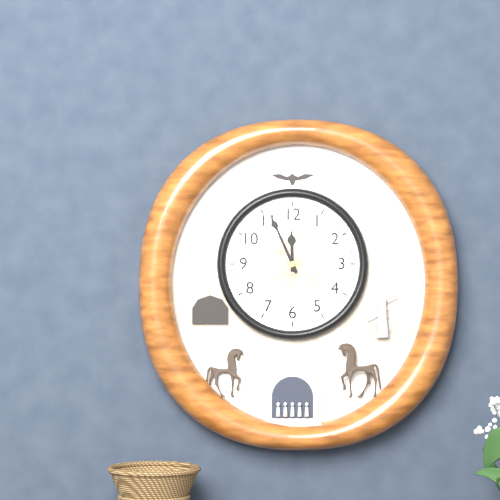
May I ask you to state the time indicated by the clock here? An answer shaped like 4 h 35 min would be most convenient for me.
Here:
11 h 56 min
